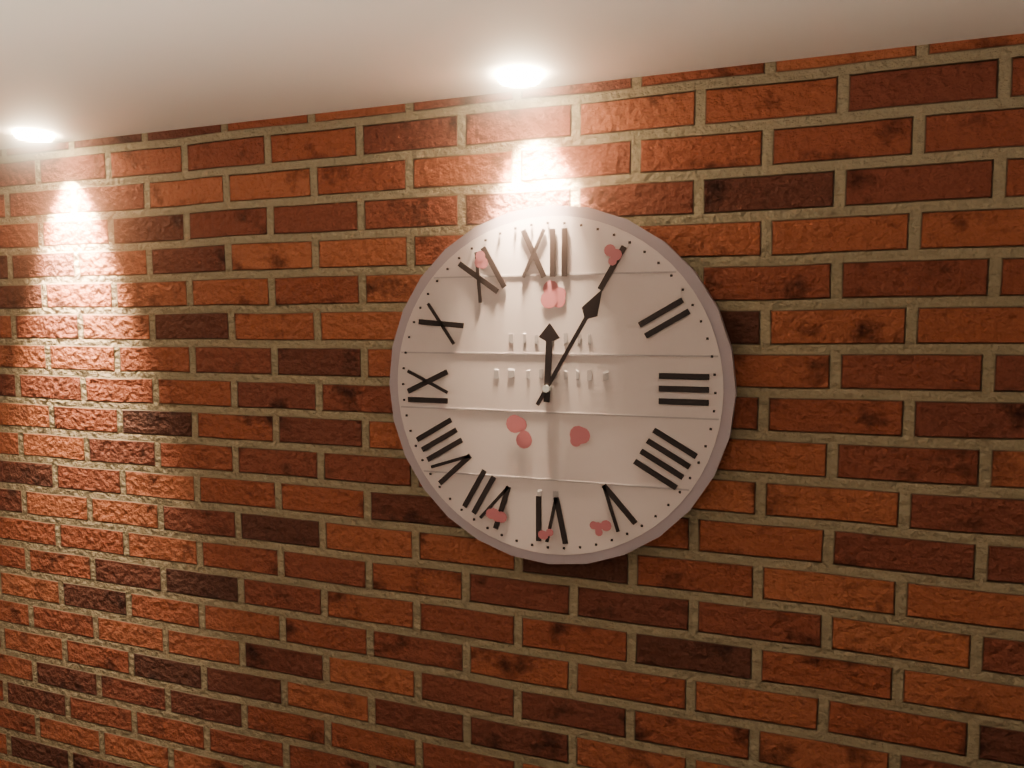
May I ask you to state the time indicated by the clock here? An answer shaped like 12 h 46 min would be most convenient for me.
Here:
12 h 05 min
